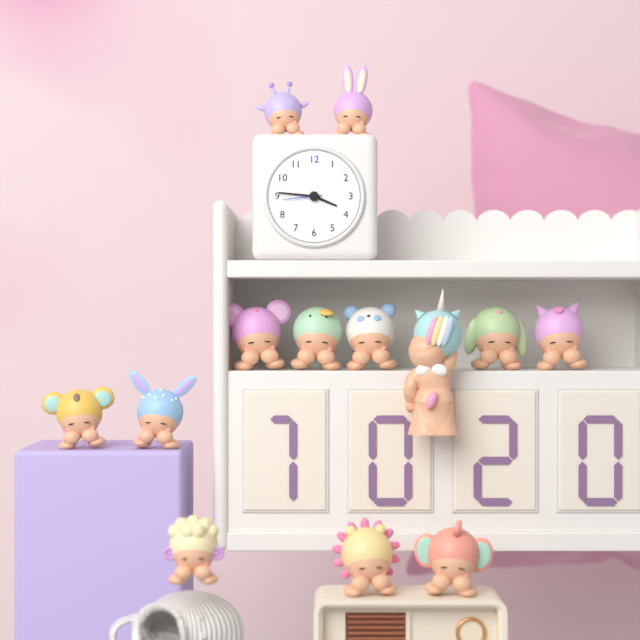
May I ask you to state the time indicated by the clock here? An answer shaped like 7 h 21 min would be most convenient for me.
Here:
3 h 46 min
